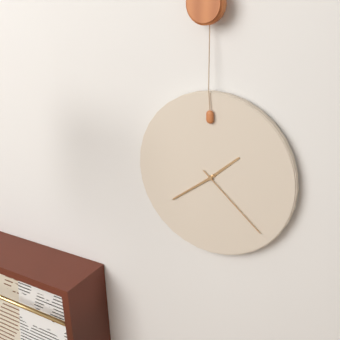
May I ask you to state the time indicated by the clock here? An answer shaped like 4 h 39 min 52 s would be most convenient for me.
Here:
1 h 39 min 22 s
